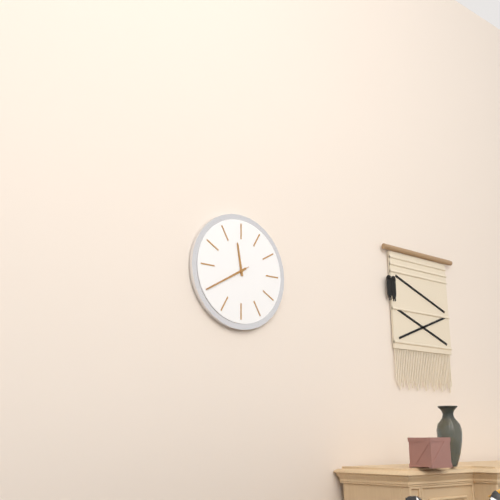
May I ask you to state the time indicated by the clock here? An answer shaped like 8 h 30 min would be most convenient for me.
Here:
11 h 40 min
